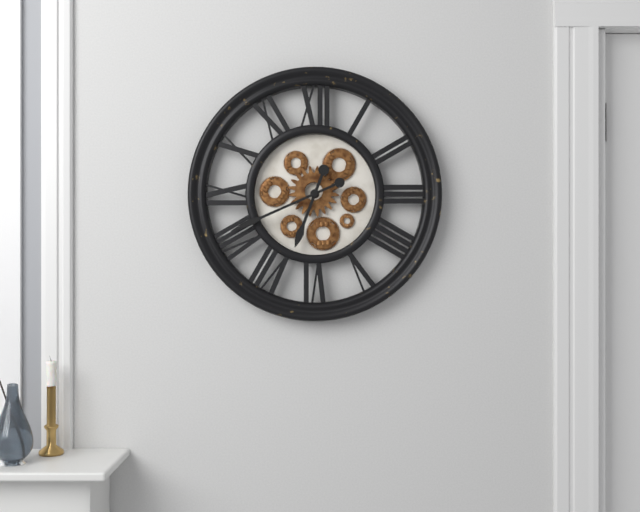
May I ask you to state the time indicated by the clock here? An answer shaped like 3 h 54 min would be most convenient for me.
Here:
6 h 41 min
